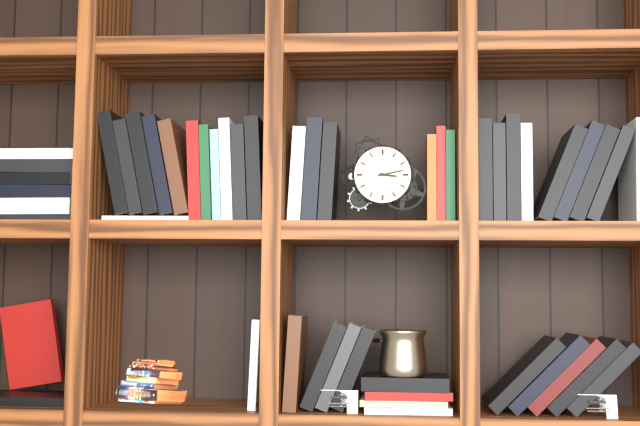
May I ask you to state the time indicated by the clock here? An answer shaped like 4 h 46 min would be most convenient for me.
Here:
3 h 13 min
